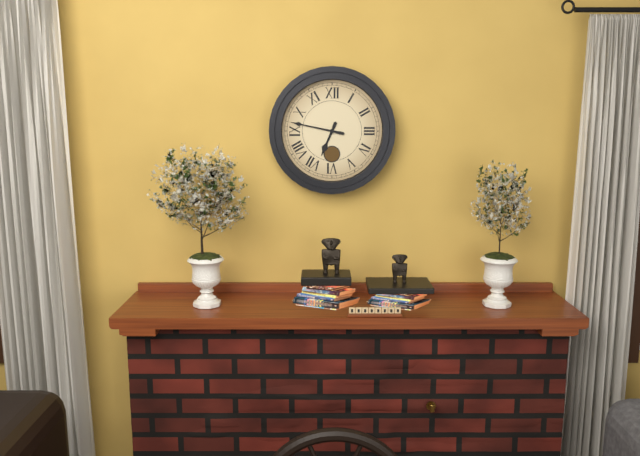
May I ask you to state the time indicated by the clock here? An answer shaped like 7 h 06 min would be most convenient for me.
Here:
6 h 47 min
